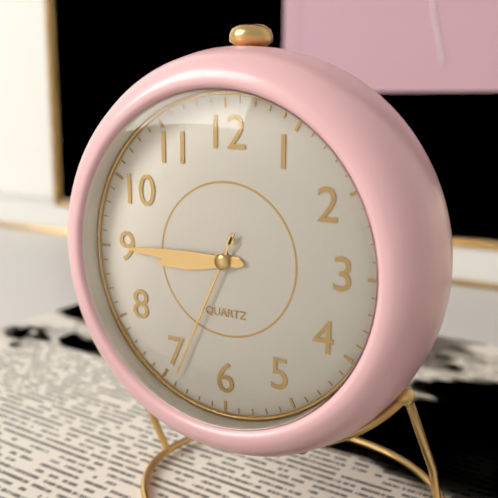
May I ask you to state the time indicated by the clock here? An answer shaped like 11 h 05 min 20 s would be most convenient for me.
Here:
8 h 45 min 34 s
